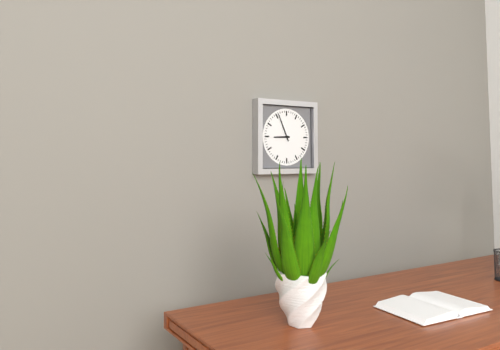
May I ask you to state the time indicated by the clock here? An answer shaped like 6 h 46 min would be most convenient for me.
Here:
8 h 56 min
